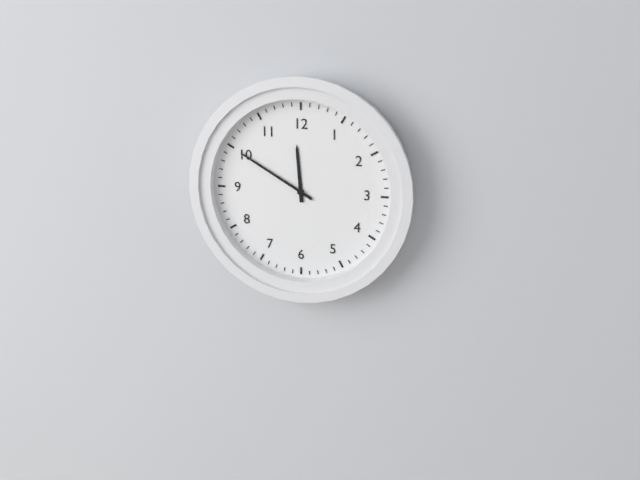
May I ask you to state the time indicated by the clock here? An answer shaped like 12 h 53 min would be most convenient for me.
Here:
11 h 50 min
